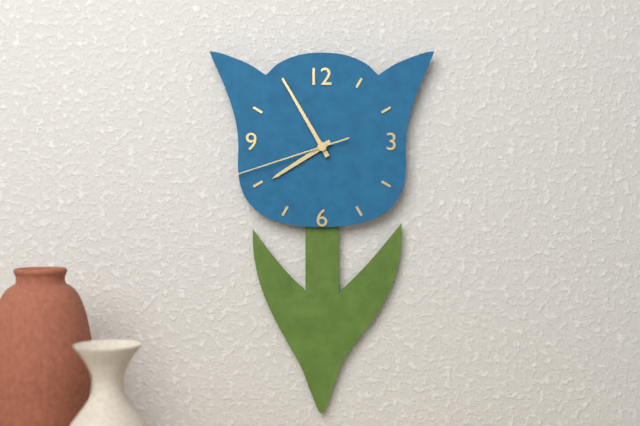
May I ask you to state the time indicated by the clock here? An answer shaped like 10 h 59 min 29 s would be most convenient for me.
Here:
7 h 55 min 42 s
